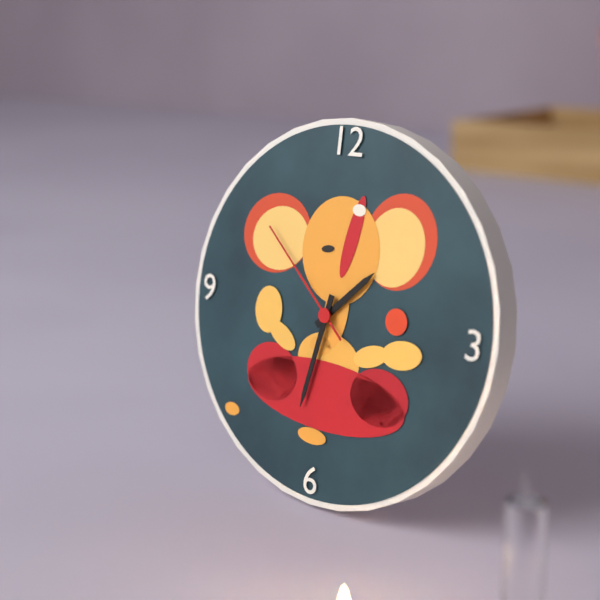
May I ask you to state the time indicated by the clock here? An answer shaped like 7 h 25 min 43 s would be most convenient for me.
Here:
1 h 32 min 52 s
